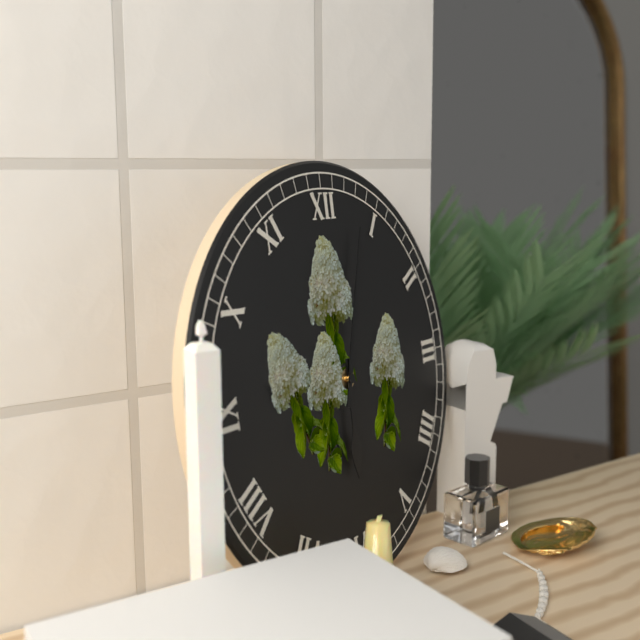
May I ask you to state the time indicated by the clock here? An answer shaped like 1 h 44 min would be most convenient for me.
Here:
6 h 03 min
